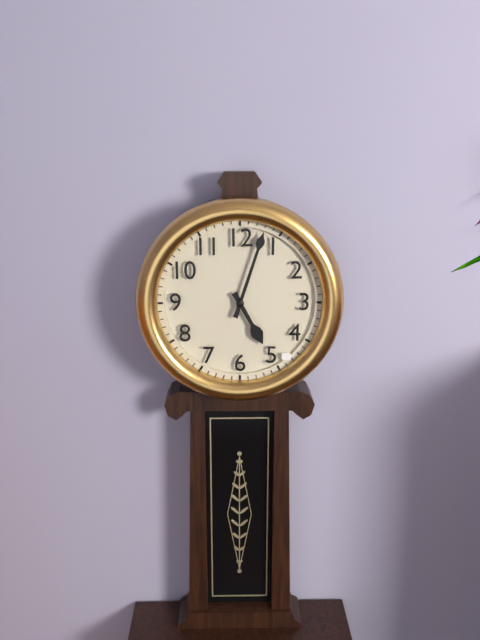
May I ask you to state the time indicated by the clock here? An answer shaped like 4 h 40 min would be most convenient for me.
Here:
5 h 03 min
